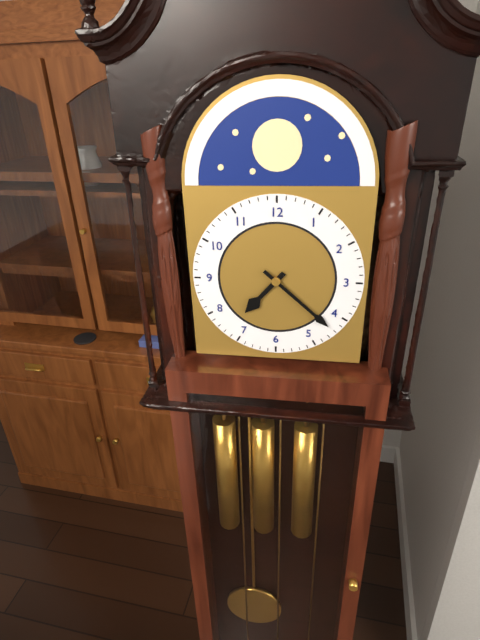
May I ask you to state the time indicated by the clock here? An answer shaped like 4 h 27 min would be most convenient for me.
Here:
7 h 22 min
